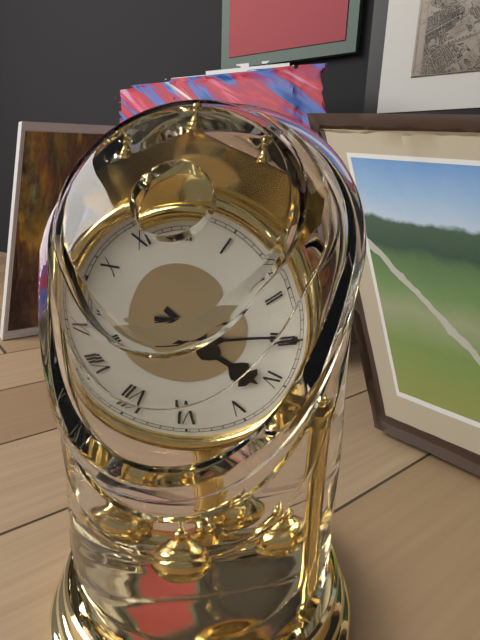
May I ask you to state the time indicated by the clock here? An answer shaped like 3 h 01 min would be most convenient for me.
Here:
4 h 15 min
